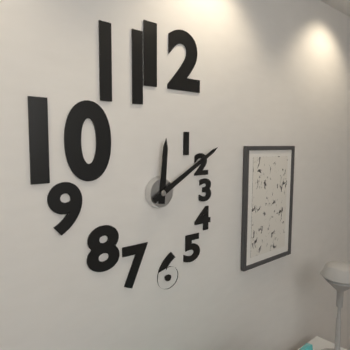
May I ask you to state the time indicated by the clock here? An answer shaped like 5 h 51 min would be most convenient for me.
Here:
12 h 10 min
